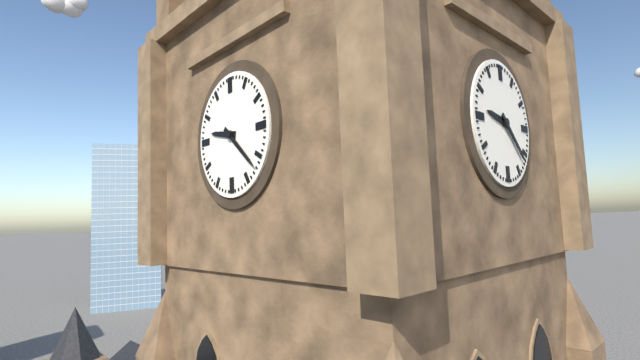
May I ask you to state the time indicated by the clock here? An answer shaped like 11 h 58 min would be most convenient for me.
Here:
9 h 22 min
